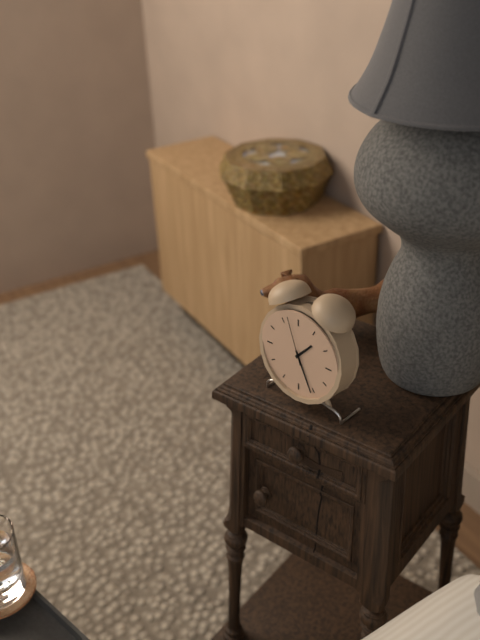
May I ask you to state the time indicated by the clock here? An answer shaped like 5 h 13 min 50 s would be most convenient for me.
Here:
1 h 26 min 57 s
